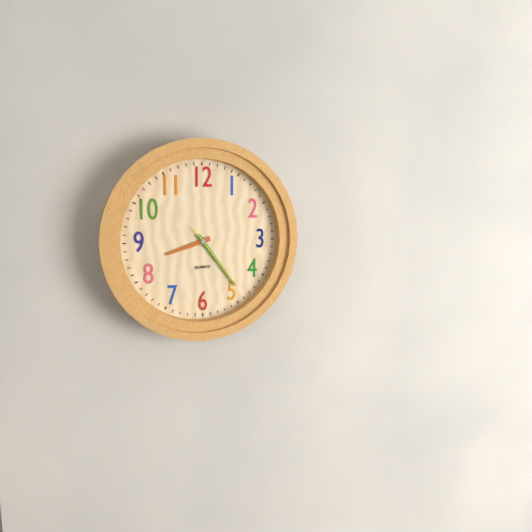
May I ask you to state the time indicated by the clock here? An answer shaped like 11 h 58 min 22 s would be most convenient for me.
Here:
8 h 24 min 24 s
